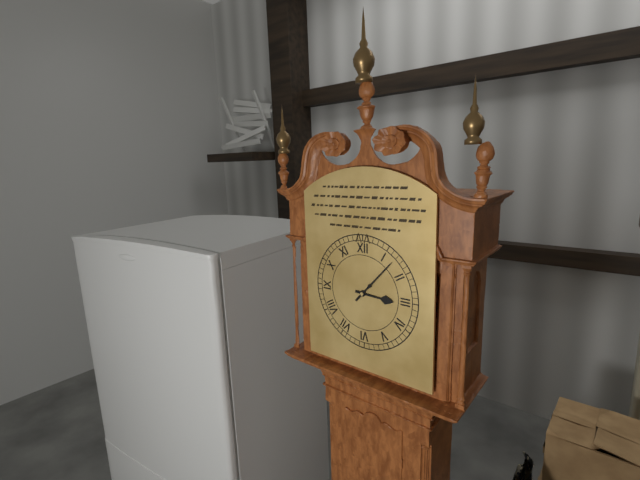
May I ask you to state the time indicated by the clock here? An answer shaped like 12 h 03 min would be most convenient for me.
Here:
3 h 07 min
